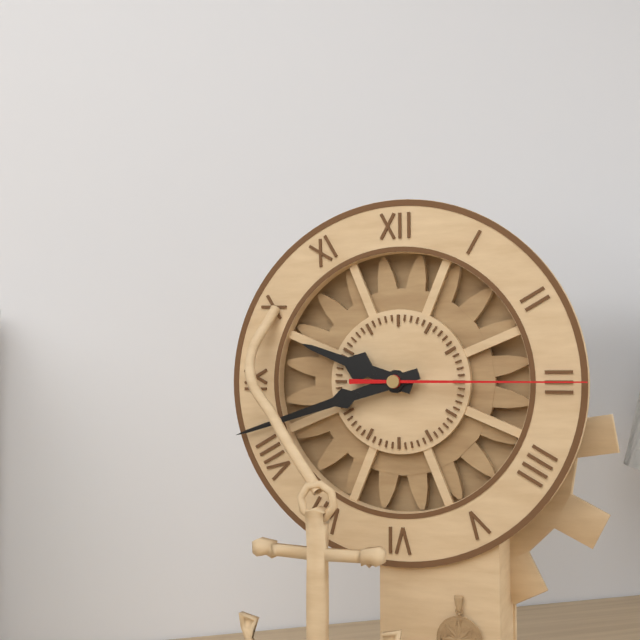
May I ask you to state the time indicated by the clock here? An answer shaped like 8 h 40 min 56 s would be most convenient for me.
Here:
9 h 42 min 15 s
